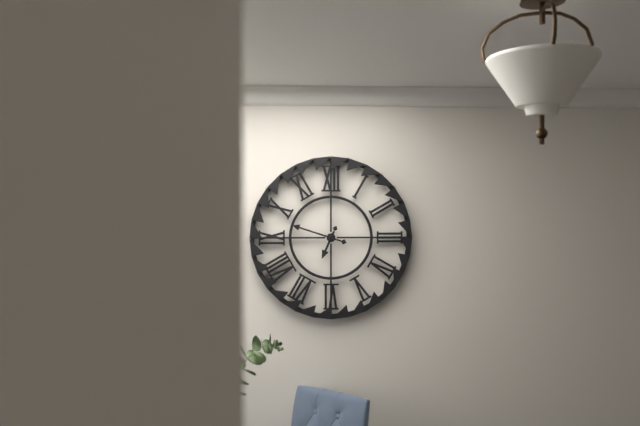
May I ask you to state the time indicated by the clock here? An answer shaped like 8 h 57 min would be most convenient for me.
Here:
6 h 48 min
